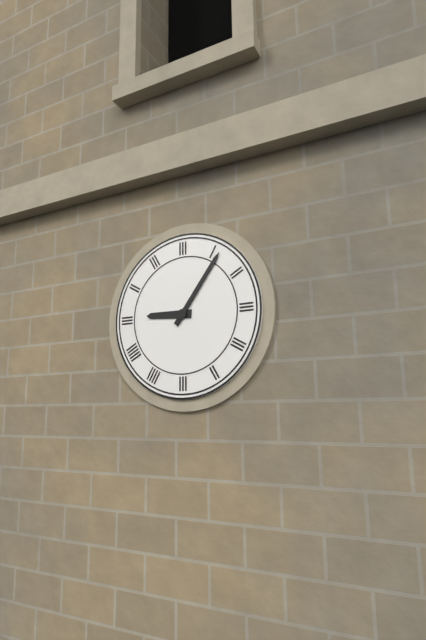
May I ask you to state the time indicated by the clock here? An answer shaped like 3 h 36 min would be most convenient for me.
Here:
9 h 06 min
